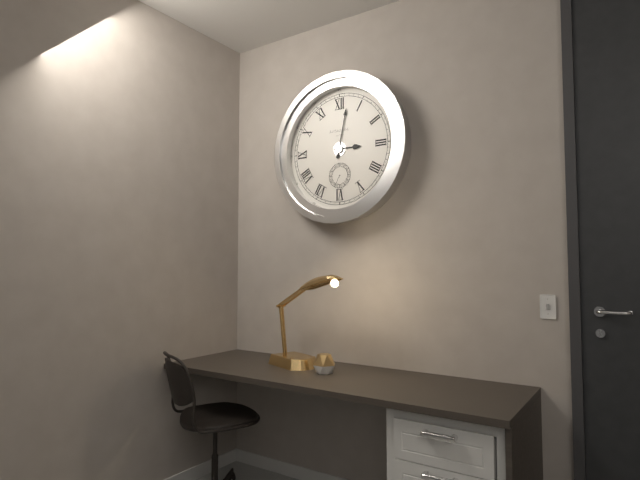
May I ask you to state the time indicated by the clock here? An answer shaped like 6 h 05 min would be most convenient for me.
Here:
3 h 02 min
